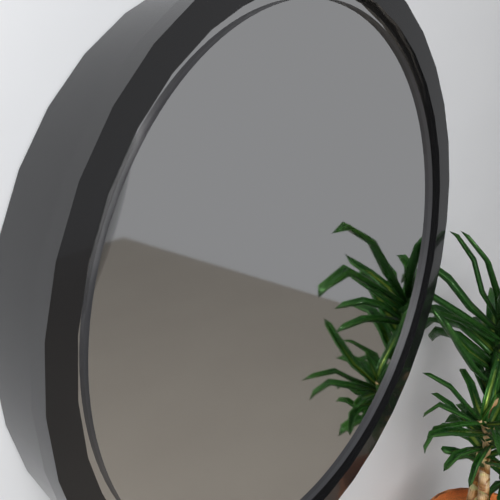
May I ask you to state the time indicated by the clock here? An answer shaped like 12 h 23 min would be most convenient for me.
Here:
10 h 30 min
